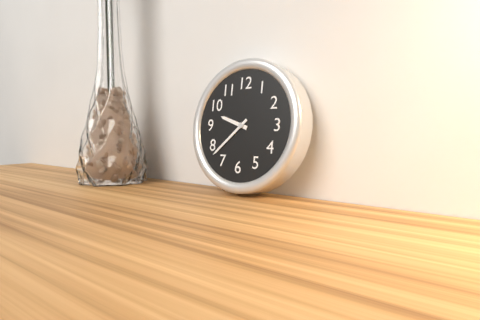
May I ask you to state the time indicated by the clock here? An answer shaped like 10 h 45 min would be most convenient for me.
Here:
9 h 38 min
